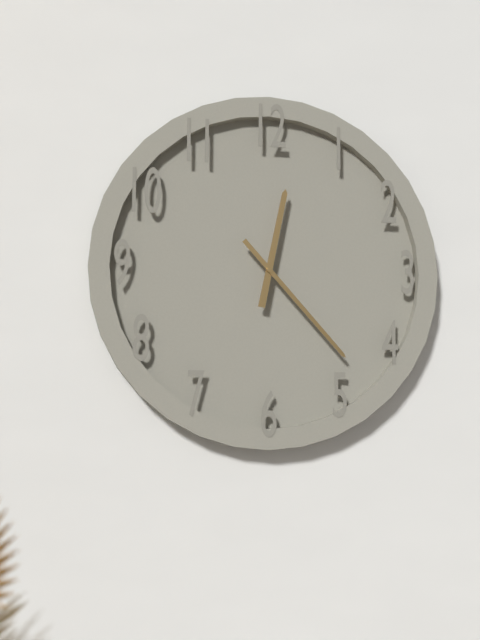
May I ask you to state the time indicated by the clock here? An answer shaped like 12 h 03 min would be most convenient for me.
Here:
12 h 23 min
